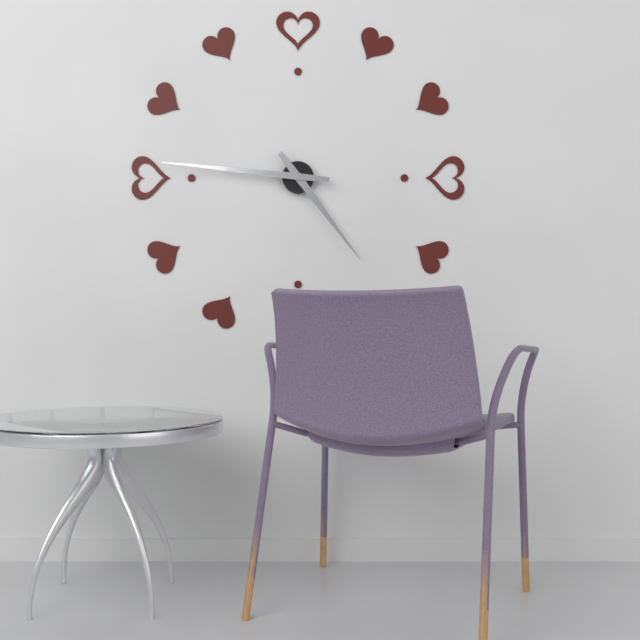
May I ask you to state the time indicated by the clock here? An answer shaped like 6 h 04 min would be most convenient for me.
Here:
4 h 46 min
